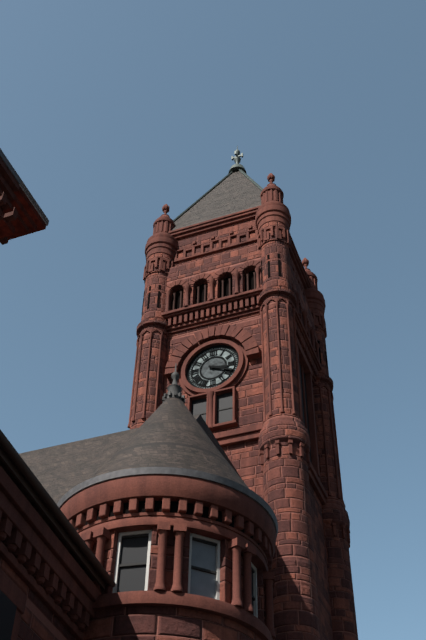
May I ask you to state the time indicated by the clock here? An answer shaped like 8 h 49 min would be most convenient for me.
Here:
3 h 19 min
